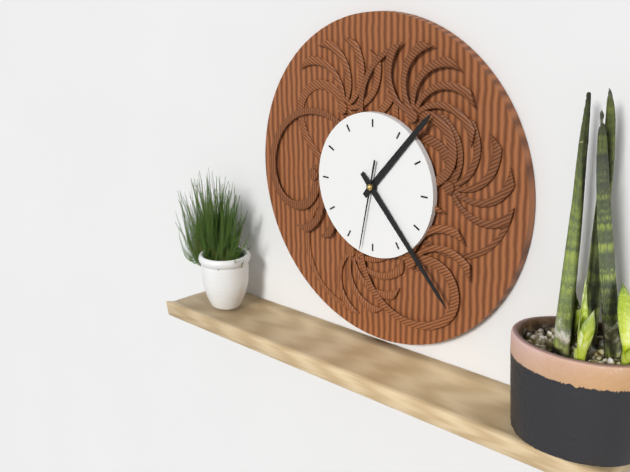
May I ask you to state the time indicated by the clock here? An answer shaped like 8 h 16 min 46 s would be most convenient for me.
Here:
1 h 23 min 32 s
